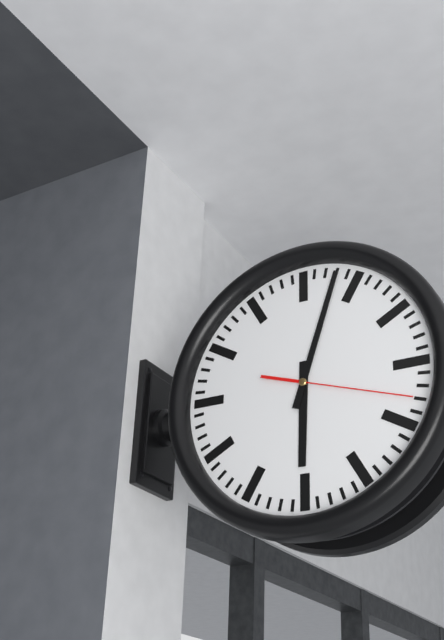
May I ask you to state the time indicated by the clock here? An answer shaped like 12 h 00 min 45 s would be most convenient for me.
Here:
6 h 03 min 18 s
